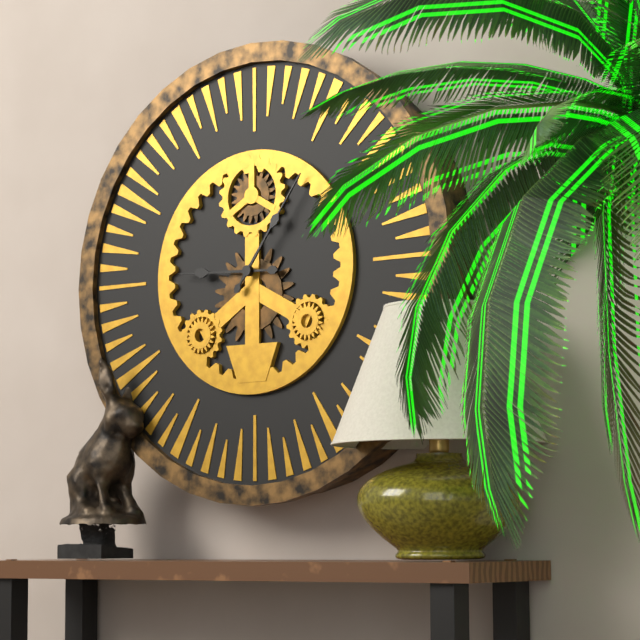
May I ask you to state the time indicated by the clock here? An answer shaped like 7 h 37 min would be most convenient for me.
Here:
9 h 06 min
